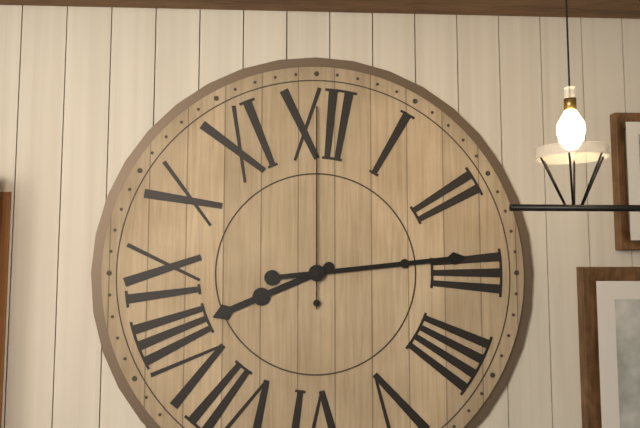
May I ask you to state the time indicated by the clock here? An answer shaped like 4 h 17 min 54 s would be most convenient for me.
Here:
8 h 14 min 00 s
